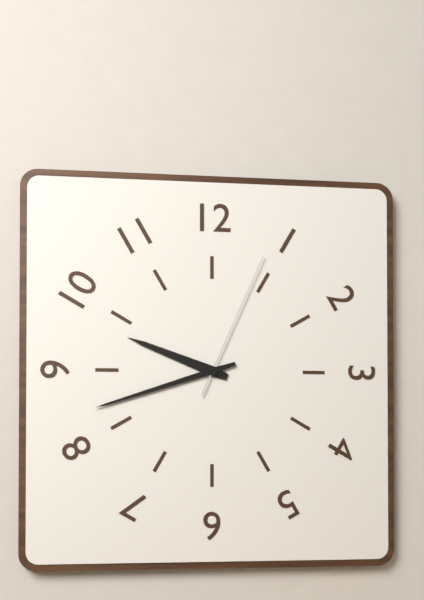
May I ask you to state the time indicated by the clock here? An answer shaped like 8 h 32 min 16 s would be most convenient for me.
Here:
9 h 42 min 04 s
